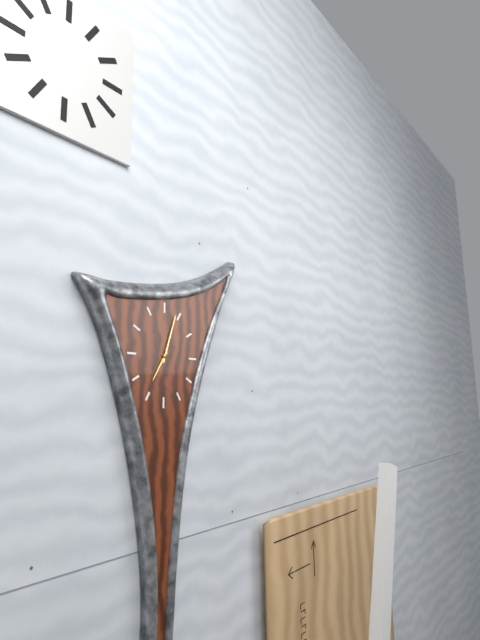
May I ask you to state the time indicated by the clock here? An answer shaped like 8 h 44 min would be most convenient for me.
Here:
7 h 03 min
